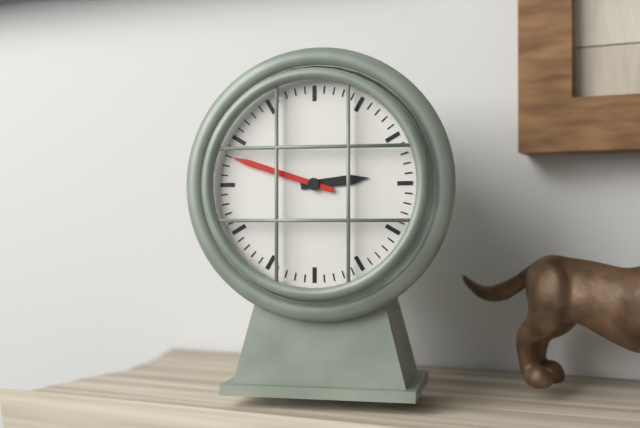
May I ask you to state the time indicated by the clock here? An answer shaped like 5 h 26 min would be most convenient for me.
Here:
2 h 48 min
